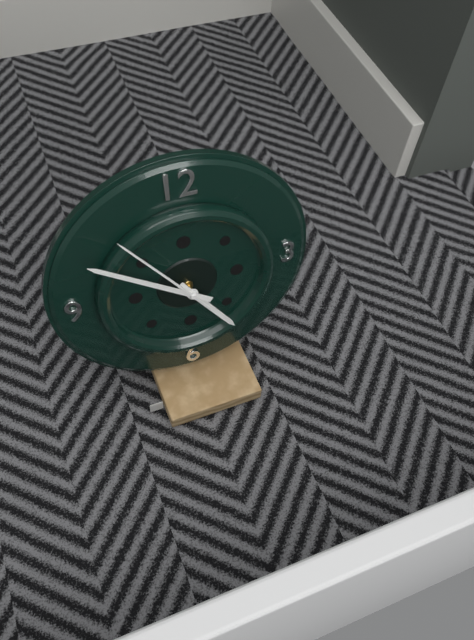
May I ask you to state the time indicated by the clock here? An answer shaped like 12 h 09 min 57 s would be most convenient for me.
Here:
4 h 51 min 54 s
